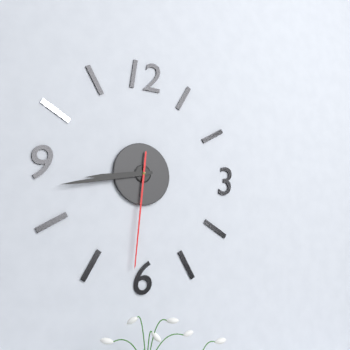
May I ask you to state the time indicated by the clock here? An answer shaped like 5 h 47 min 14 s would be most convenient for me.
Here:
8 h 43 min 31 s
